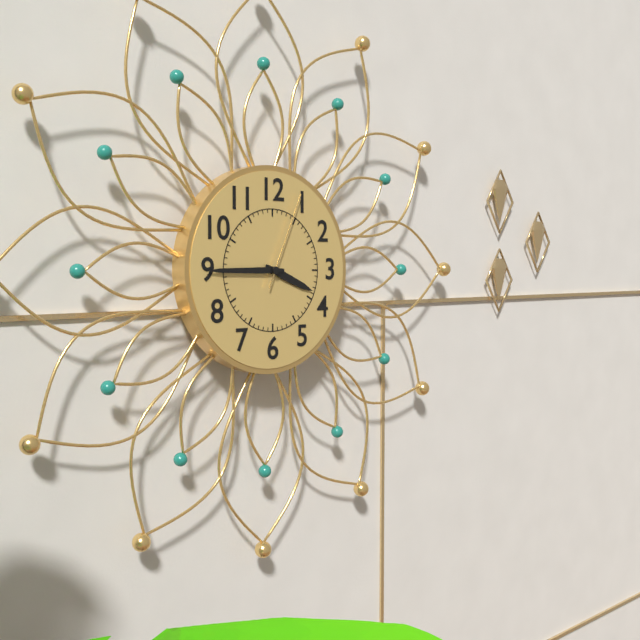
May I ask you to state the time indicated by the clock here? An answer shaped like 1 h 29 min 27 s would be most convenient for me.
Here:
3 h 45 min 04 s
